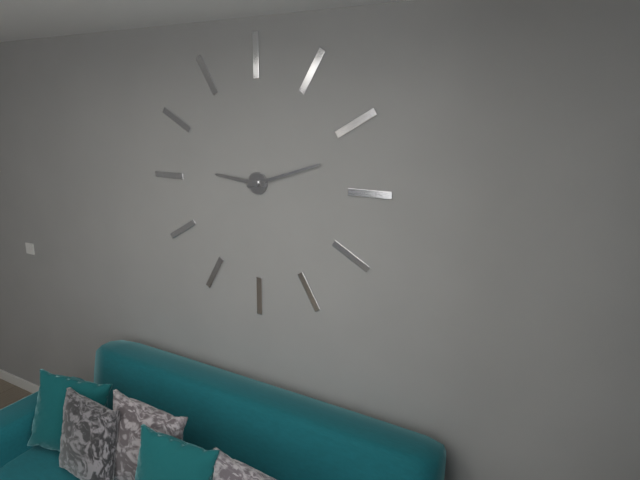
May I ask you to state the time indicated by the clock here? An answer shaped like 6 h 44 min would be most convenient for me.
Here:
9 h 12 min
